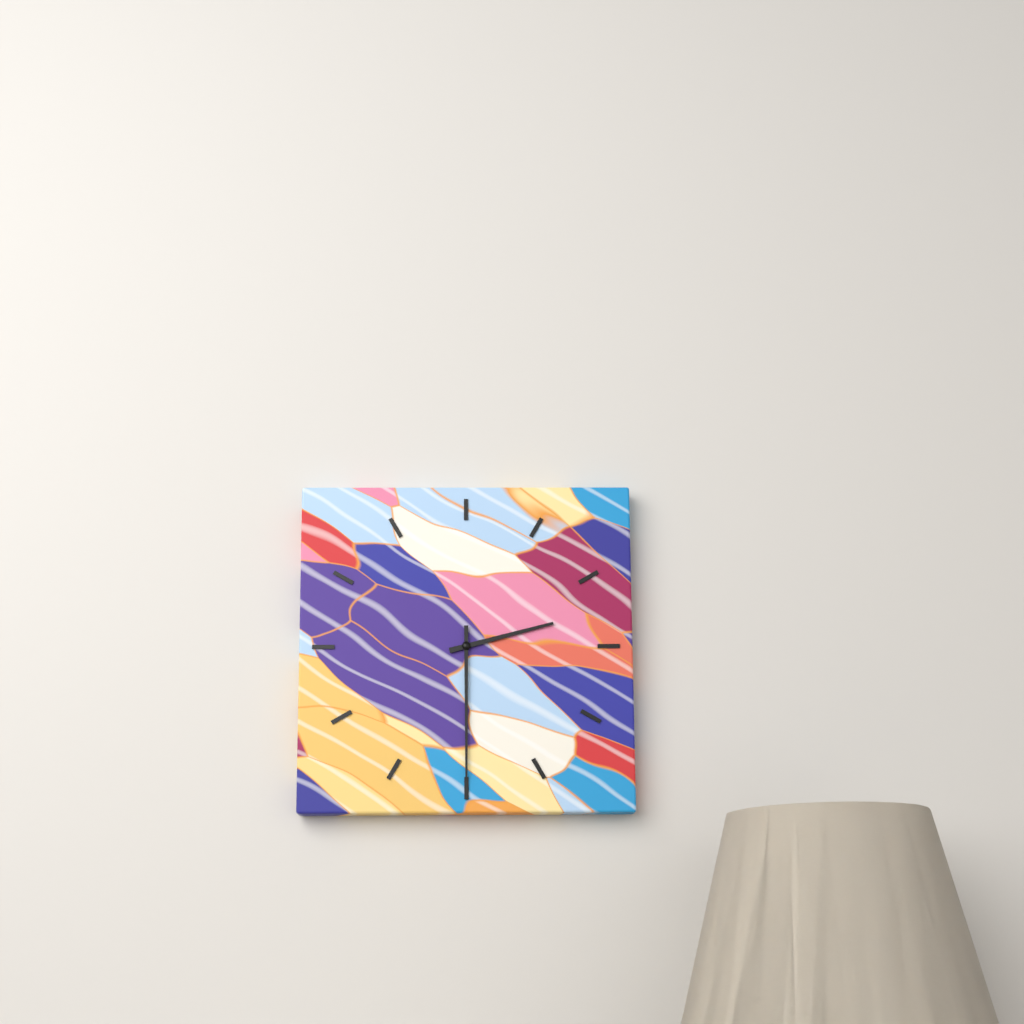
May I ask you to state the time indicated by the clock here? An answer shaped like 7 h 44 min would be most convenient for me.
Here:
2 h 30 min
